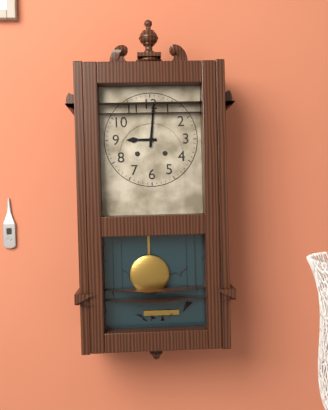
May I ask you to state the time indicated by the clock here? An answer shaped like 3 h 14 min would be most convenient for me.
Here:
9 h 01 min
